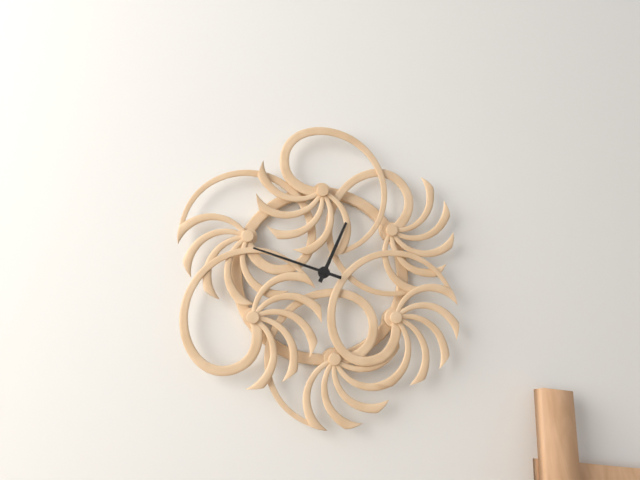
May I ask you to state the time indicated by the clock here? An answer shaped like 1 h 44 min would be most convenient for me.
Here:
12 h 48 min
